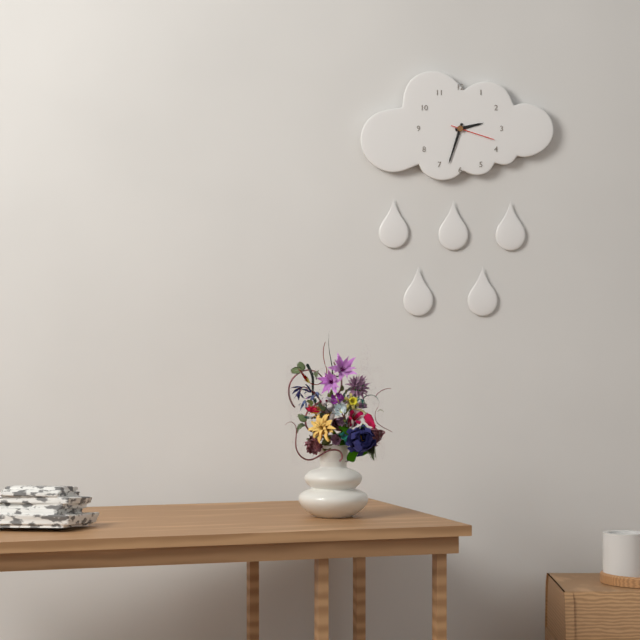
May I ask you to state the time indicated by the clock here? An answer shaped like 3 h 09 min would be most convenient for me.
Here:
2 h 33 min
